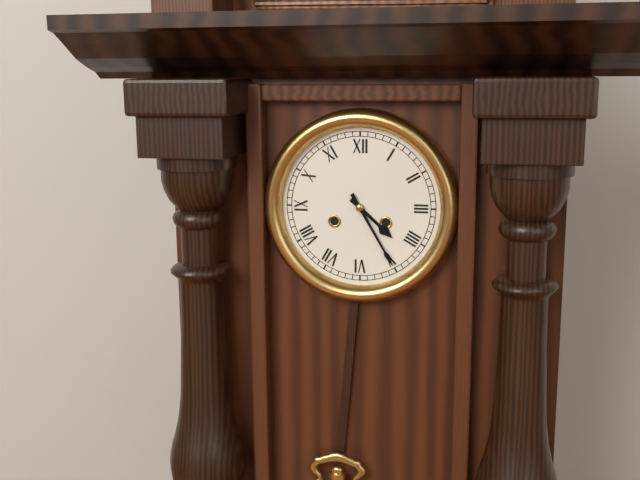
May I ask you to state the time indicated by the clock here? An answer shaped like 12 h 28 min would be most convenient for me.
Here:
4 h 25 min
